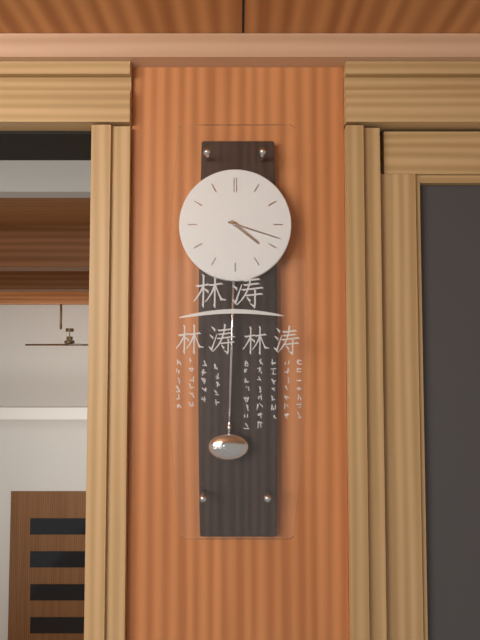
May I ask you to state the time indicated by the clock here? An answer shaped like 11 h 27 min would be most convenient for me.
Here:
4 h 18 min
